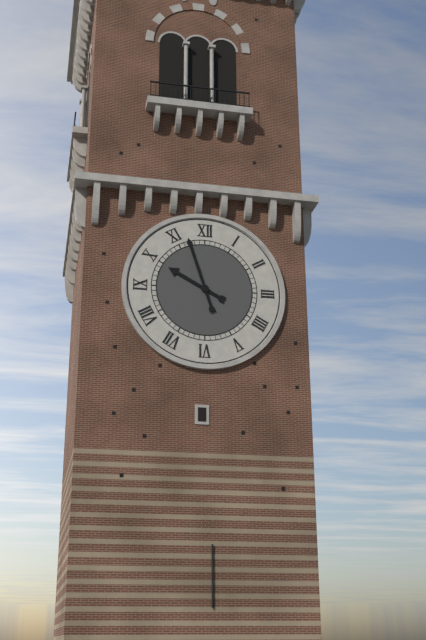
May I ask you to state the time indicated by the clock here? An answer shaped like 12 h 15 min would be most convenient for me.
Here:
9 h 57 min
